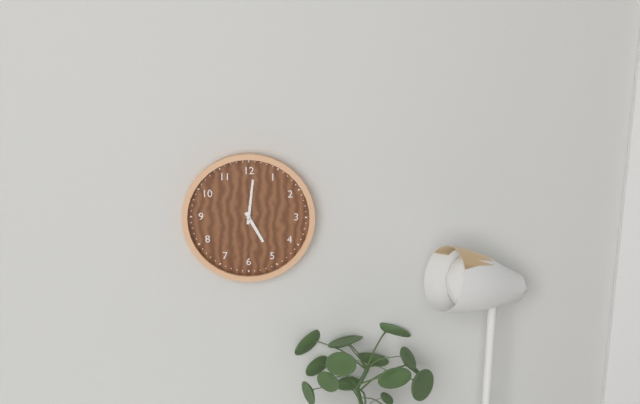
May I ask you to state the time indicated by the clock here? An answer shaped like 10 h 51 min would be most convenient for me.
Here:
5 h 01 min
